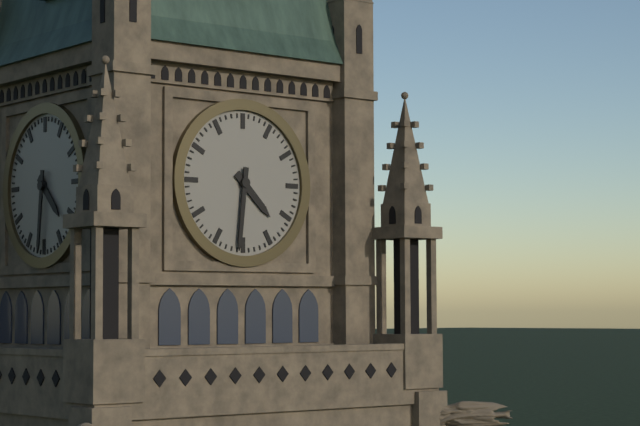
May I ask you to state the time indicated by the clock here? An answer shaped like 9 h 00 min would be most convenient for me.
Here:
4 h 31 min
